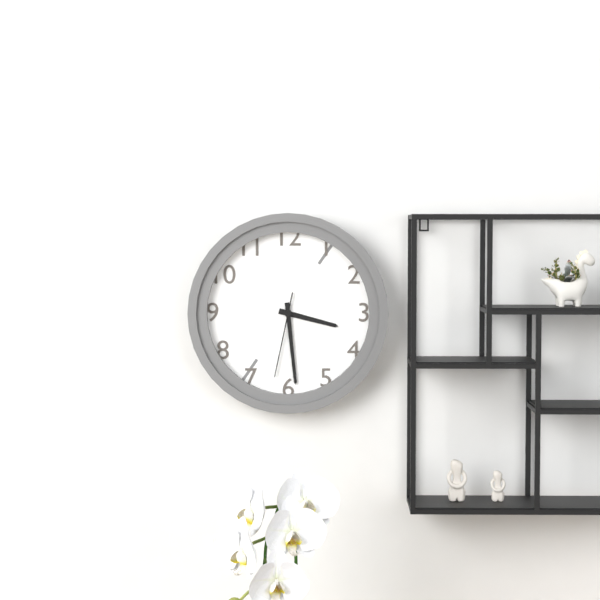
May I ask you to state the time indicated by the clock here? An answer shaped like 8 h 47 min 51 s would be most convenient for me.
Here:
3 h 29 min 32 s
